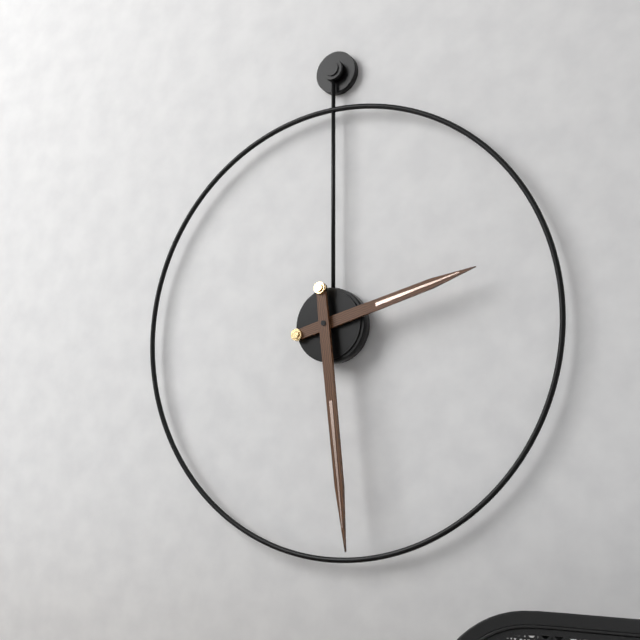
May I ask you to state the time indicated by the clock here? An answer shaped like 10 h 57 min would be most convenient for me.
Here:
2 h 29 min
